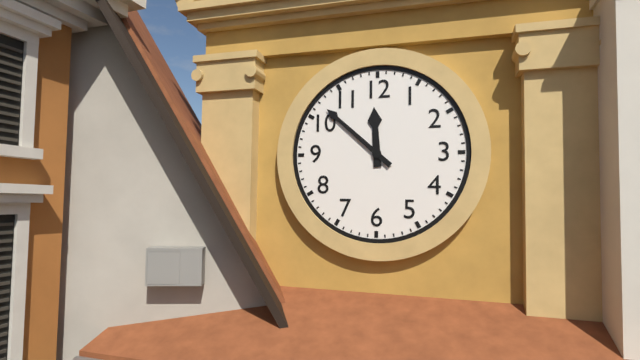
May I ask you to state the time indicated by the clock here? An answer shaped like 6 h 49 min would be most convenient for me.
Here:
11 h 52 min
